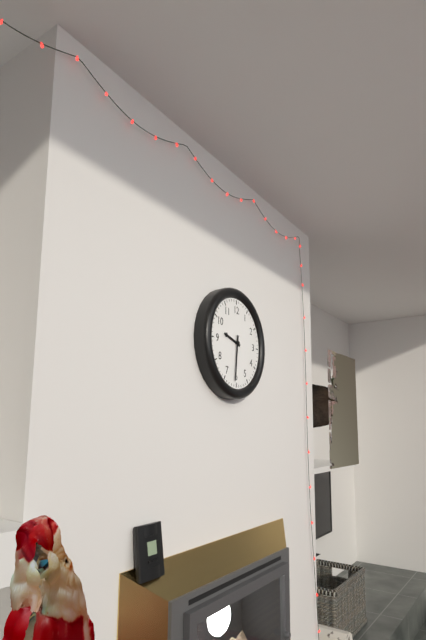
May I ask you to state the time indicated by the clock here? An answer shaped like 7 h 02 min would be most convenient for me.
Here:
9 h 31 min
